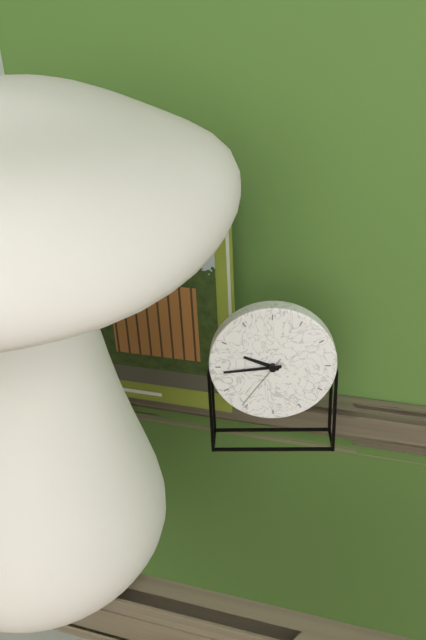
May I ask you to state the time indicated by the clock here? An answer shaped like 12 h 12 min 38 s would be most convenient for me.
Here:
9 h 44 min 36 s
